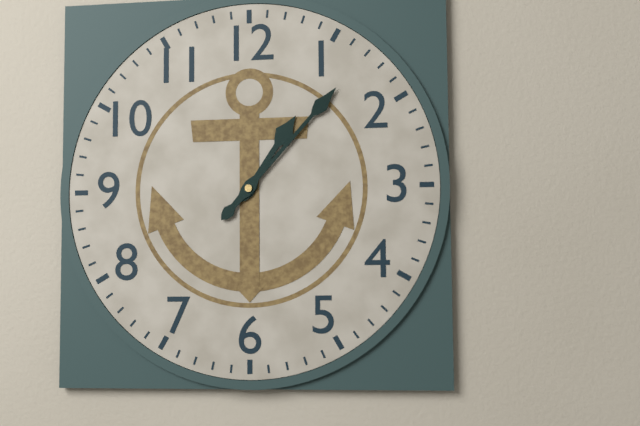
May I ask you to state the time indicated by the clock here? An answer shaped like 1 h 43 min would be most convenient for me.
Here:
1 h 07 min
